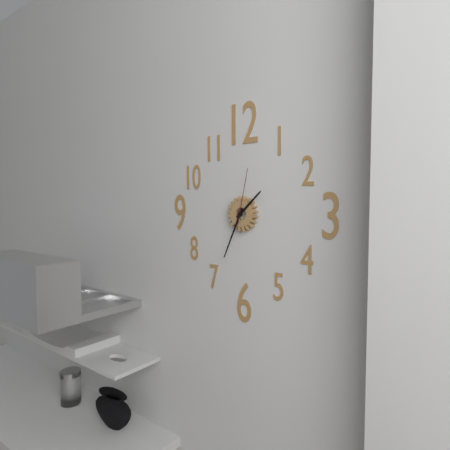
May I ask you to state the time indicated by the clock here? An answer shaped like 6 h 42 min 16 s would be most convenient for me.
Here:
1 h 34 min 02 s
